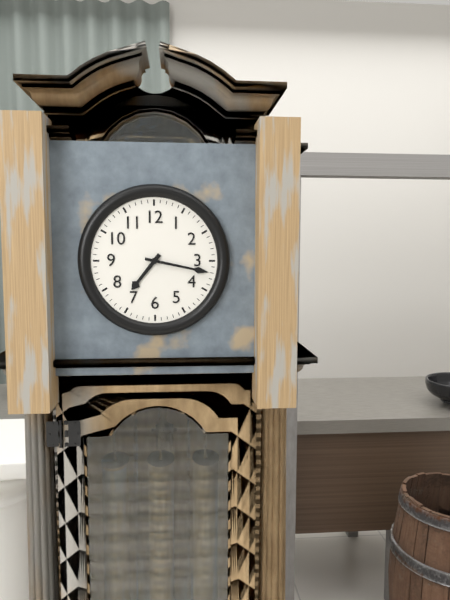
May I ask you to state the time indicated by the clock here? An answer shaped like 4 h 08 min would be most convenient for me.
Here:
7 h 17 min
